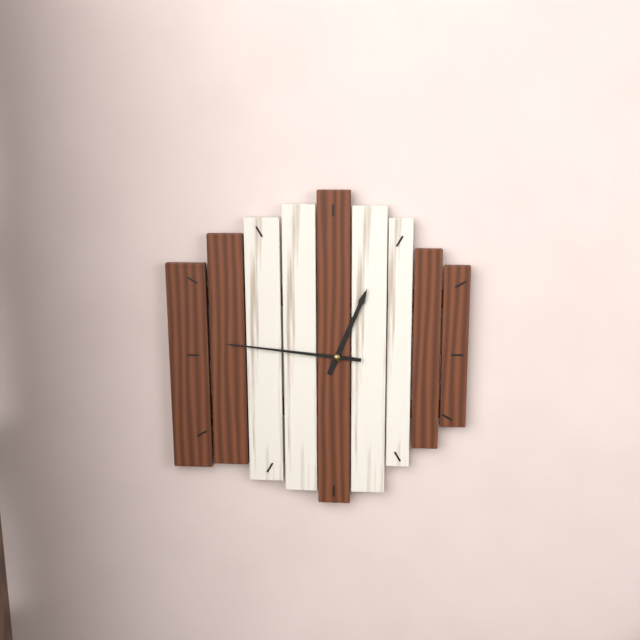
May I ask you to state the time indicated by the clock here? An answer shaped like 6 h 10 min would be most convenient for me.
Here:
12 h 46 min
